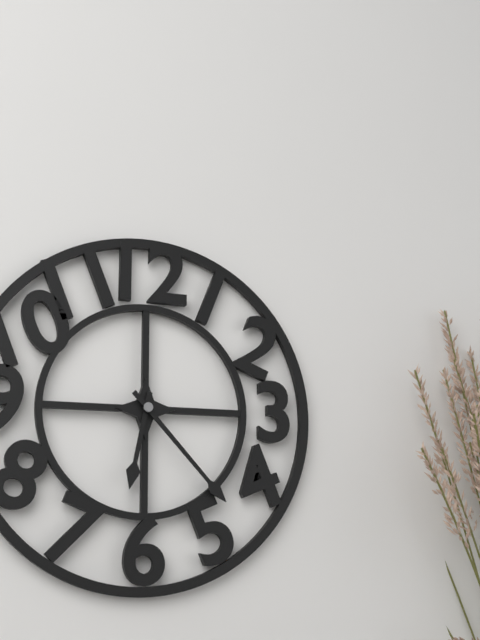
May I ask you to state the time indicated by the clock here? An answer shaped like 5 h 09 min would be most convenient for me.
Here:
6 h 23 min
